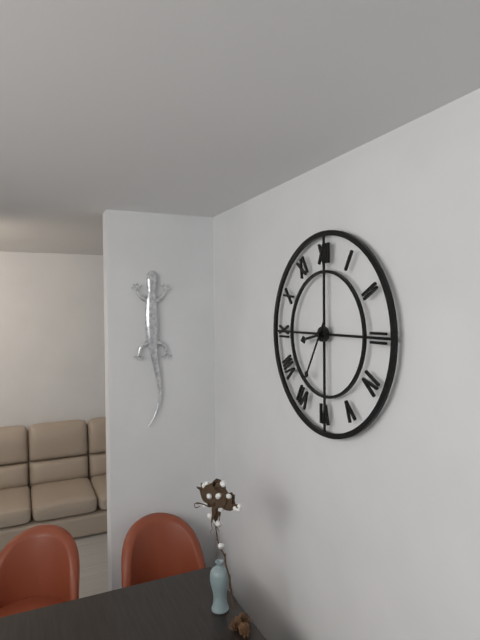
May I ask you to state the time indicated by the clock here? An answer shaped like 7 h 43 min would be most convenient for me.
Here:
8 h 35 min
